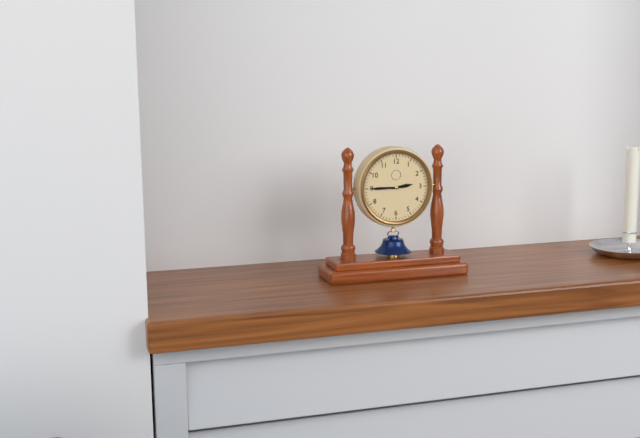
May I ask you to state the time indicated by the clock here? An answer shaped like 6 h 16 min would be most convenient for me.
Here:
2 h 45 min
